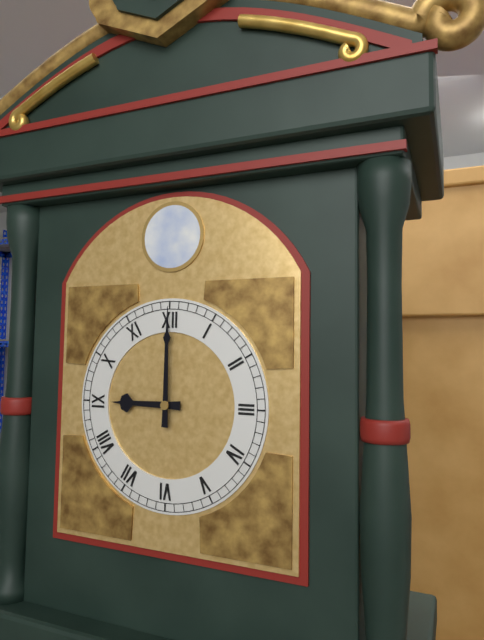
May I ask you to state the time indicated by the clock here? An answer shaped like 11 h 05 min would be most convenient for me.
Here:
9 h 00 min
